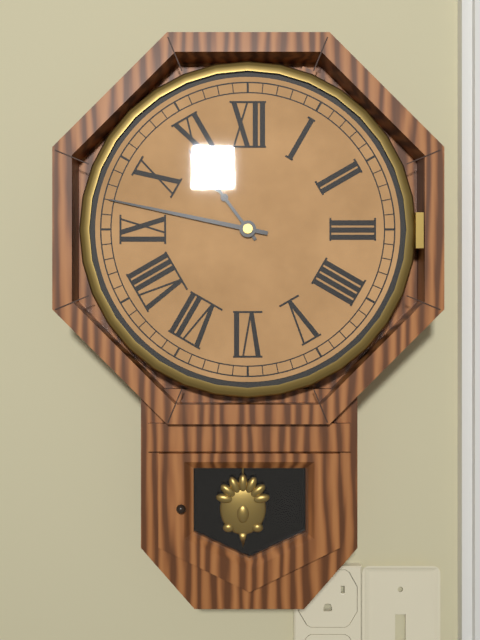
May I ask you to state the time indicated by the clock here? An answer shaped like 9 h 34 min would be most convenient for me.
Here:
10 h 47 min
